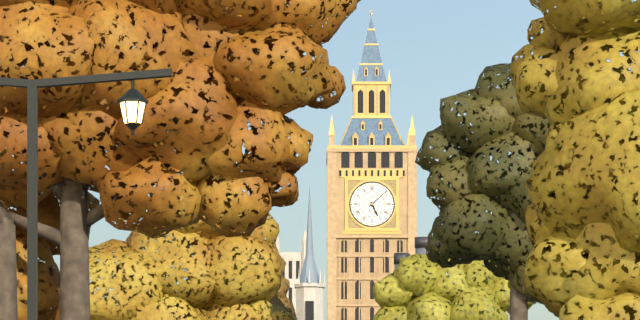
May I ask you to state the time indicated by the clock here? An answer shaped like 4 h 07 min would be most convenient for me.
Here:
5 h 08 min
